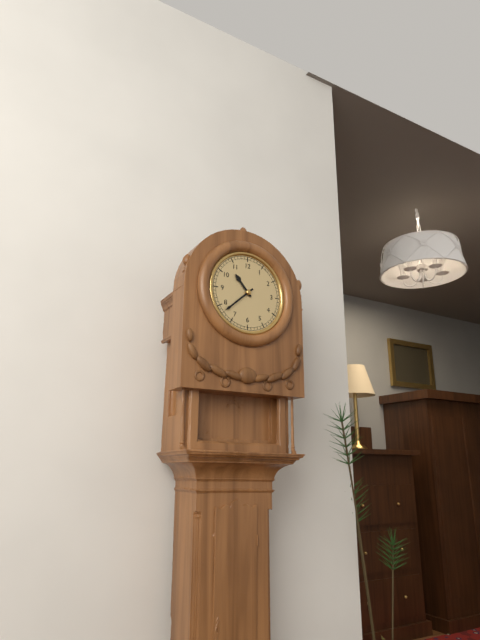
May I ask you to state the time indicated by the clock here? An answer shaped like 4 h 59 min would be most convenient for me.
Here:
10 h 38 min
